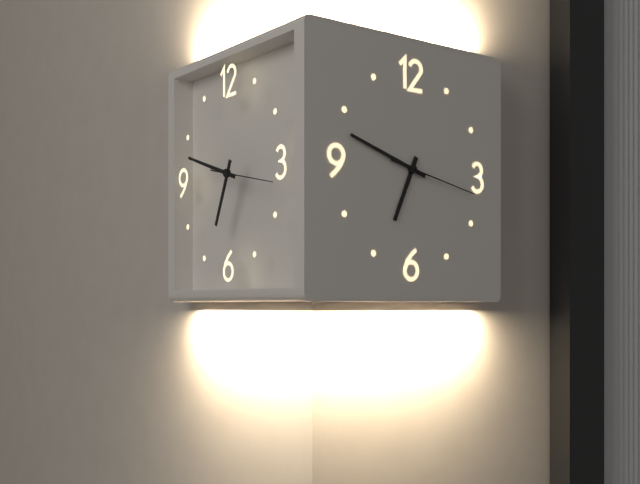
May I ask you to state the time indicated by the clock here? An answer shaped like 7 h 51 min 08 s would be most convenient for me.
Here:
6 h 48 min 17 s
